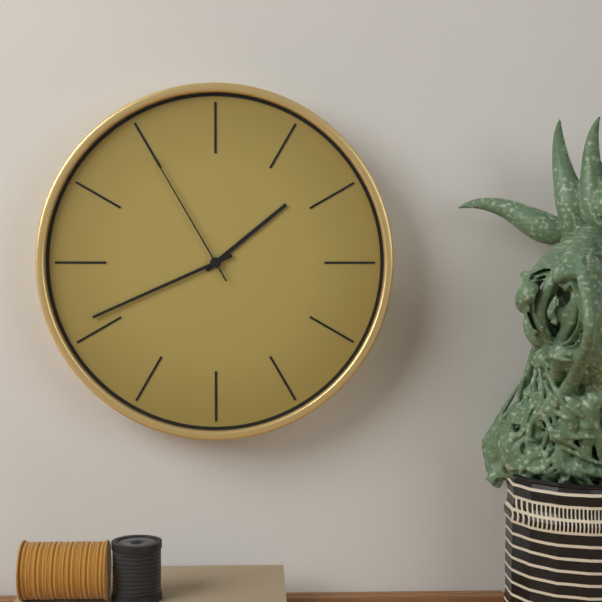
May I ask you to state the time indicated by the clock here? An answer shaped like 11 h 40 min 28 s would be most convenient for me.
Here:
1 h 41 min 55 s
